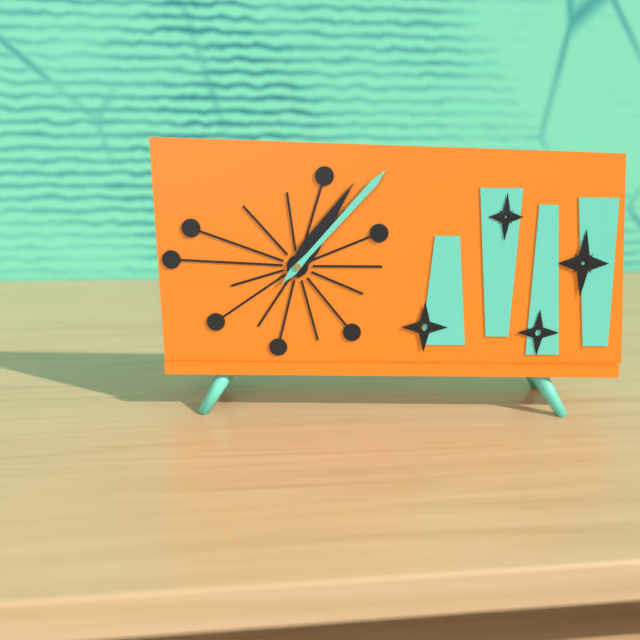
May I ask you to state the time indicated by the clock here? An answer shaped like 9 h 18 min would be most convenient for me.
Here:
1 h 07 min
